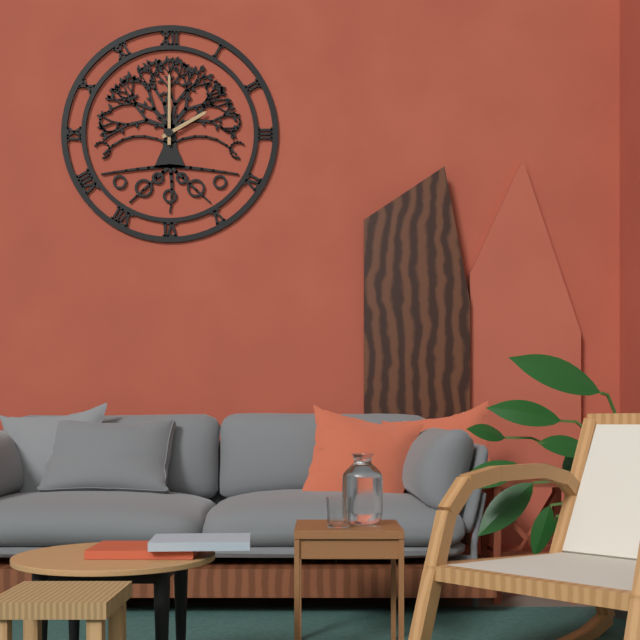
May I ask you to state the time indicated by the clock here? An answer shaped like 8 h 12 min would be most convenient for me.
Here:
2 h 00 min
